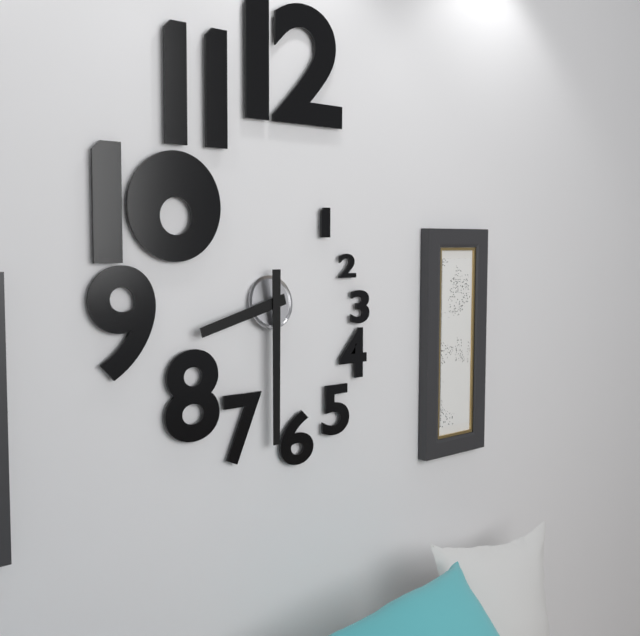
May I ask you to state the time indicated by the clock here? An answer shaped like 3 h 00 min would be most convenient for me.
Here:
8 h 30 min
